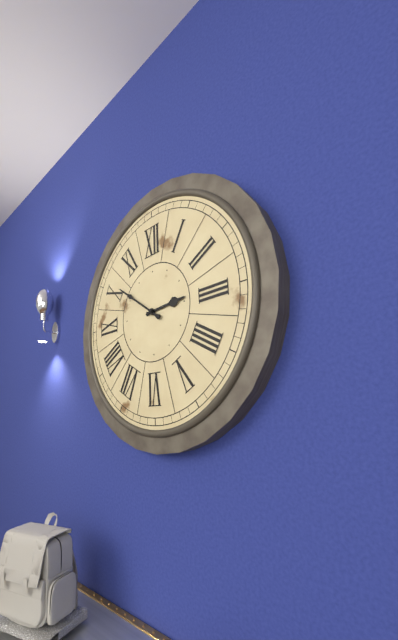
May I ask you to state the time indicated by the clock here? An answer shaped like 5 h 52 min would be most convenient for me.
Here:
2 h 51 min
